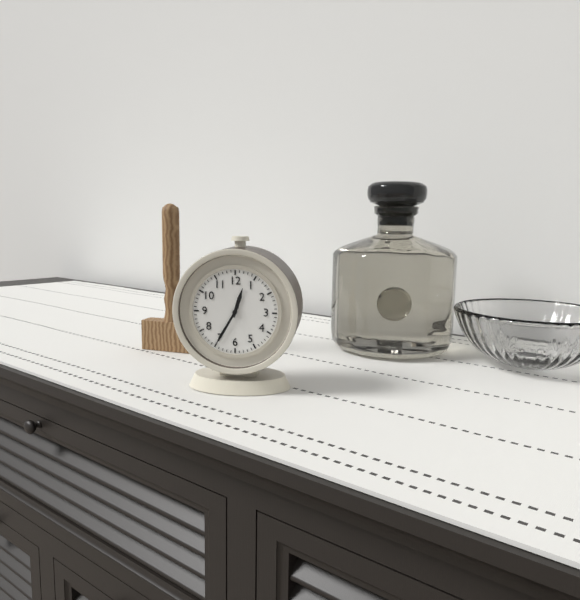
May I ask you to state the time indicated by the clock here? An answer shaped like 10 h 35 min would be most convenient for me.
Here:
12 h 35 min
